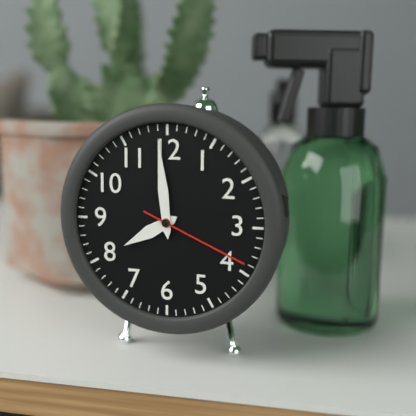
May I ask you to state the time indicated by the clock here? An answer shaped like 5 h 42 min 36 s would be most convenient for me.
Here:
7 h 59 min 19 s
